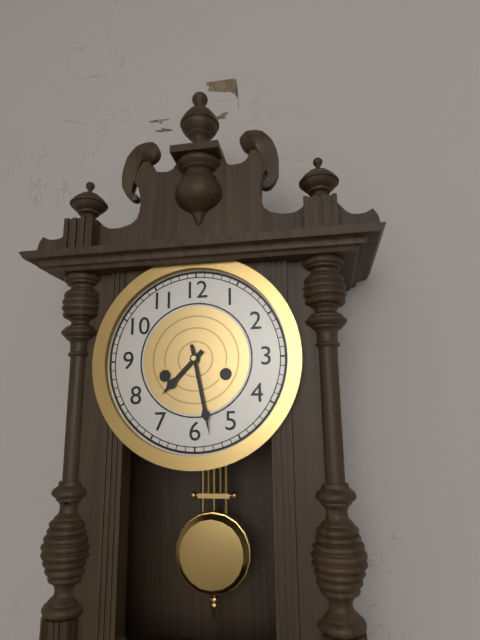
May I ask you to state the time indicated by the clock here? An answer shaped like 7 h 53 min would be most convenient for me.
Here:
7 h 28 min
